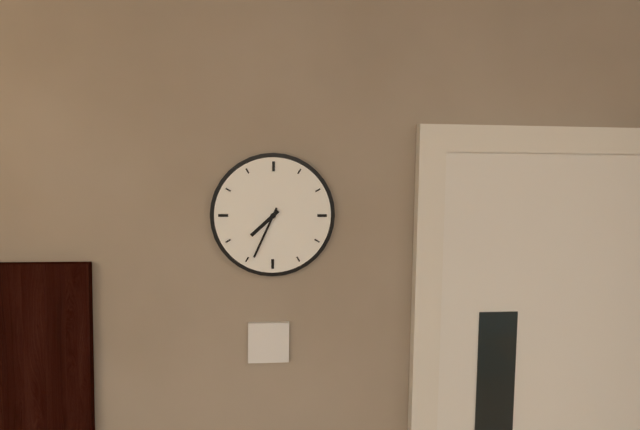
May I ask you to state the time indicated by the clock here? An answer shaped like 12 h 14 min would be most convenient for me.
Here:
7 h 34 min
